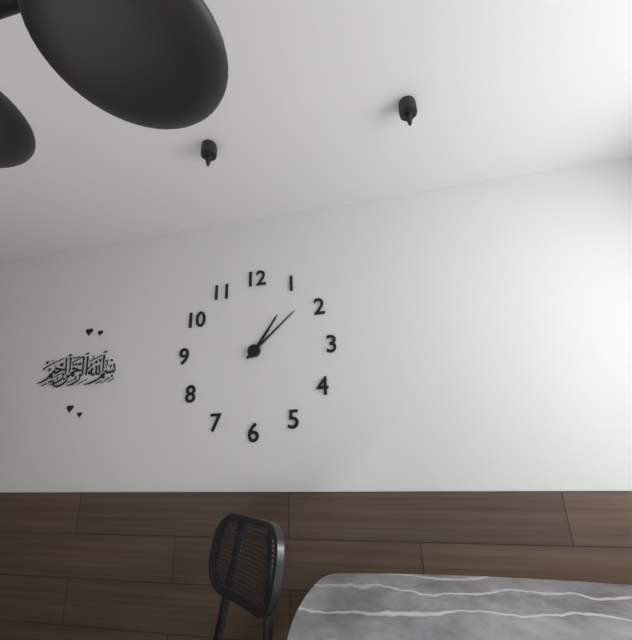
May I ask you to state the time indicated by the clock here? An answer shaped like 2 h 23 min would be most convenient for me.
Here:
1 h 08 min
